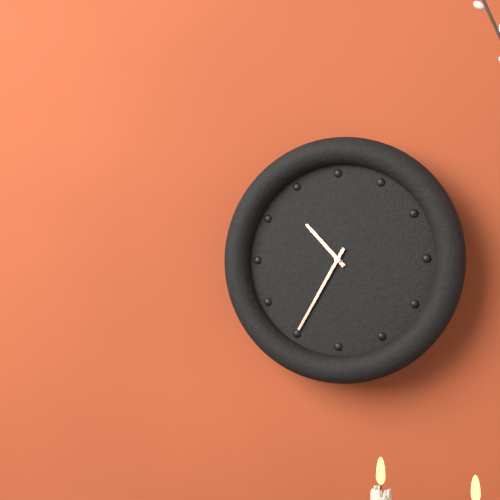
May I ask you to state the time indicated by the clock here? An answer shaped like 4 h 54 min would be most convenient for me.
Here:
10 h 35 min
